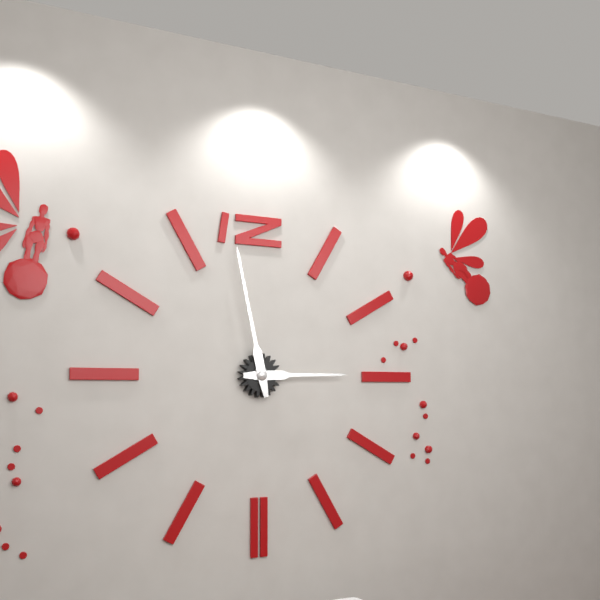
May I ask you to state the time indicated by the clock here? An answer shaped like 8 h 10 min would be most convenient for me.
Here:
2 h 58 min
